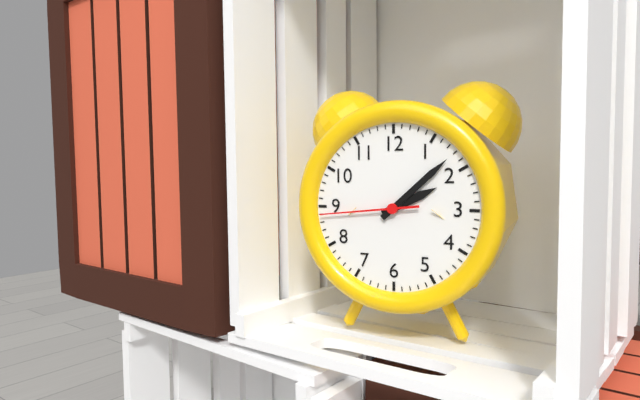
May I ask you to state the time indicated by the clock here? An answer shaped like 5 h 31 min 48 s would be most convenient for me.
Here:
2 h 08 min 44 s
